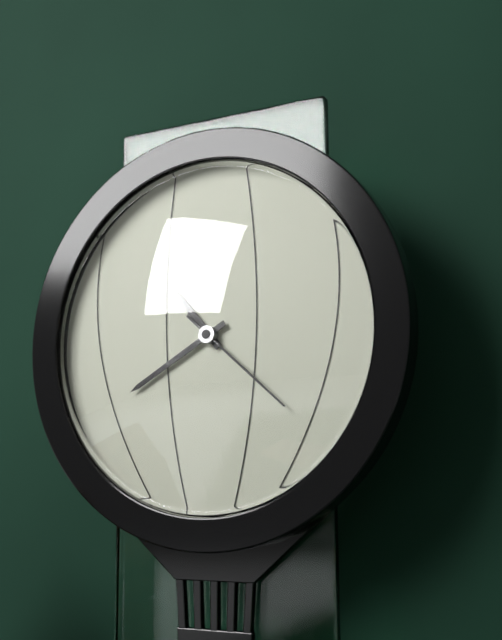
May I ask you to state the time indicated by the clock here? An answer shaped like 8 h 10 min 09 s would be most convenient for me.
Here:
10 h 40 min 22 s
